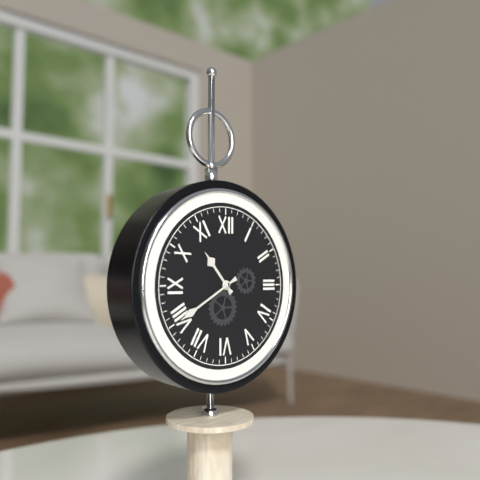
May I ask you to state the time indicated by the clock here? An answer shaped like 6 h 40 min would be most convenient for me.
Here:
10 h 40 min
